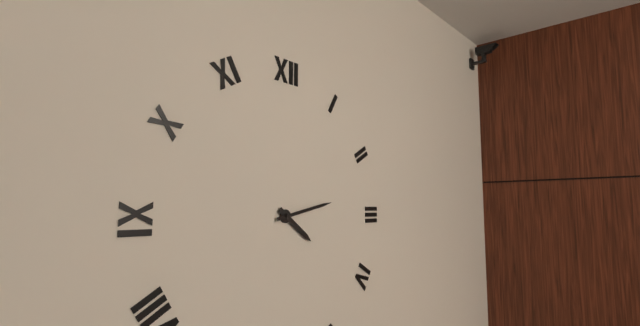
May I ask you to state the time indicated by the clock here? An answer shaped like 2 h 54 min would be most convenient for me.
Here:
4 h 13 min
